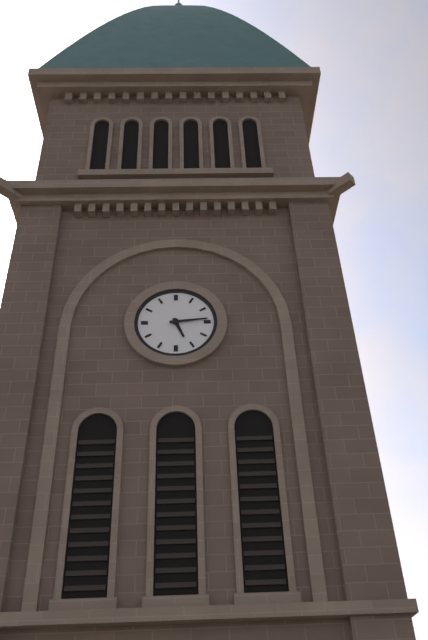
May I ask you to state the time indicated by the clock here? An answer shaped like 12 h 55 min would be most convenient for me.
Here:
5 h 14 min
